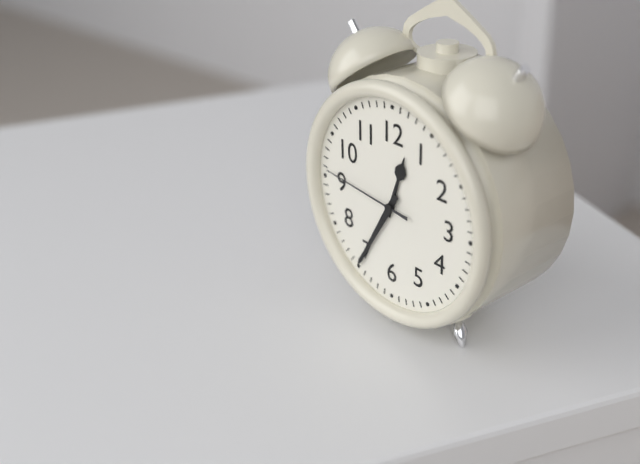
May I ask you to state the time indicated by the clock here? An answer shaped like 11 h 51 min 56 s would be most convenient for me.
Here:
12 h 35 min 46 s
